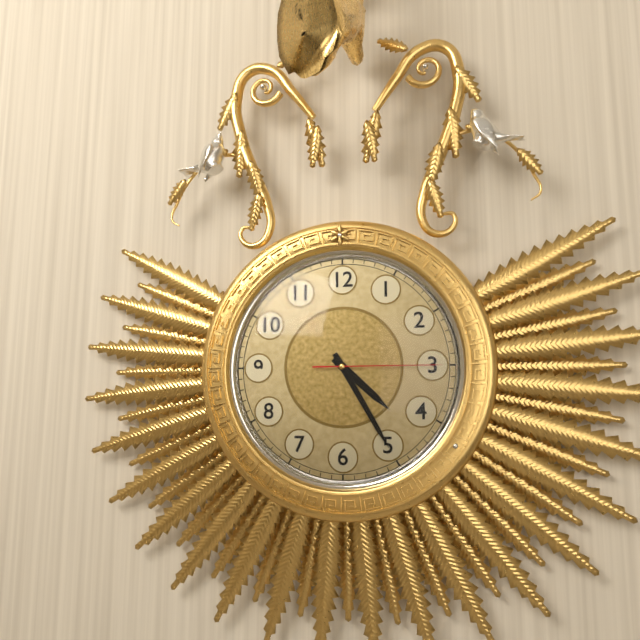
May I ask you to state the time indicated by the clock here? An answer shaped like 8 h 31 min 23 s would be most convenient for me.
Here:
4 h 25 min 15 s
